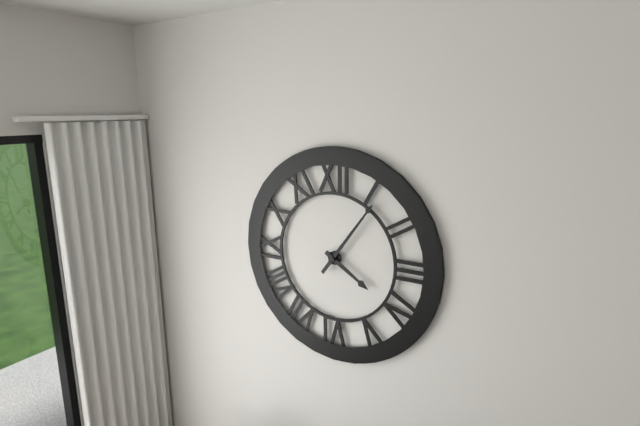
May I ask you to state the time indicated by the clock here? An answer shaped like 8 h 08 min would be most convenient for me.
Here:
4 h 06 min
